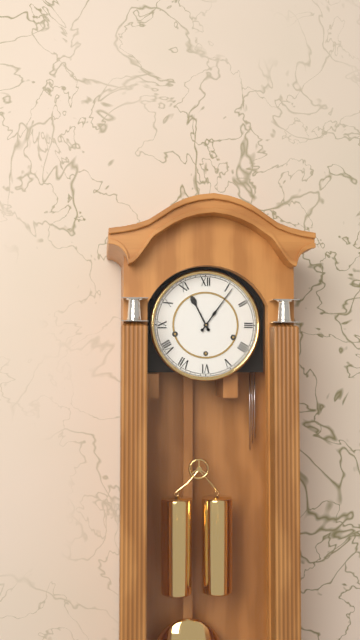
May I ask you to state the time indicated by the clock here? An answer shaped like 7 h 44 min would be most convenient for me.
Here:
11 h 06 min
